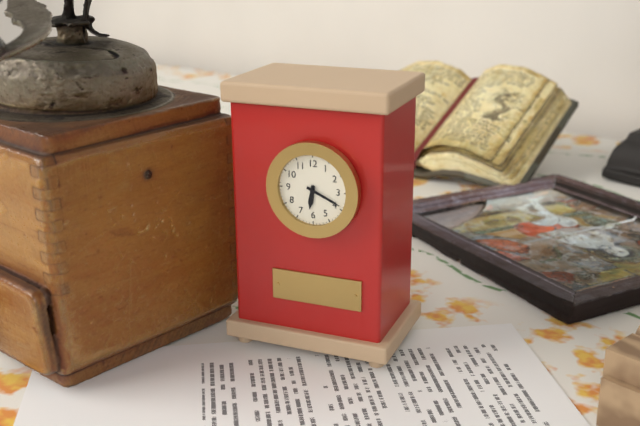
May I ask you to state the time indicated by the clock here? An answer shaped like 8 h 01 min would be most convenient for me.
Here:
6 h 19 min
